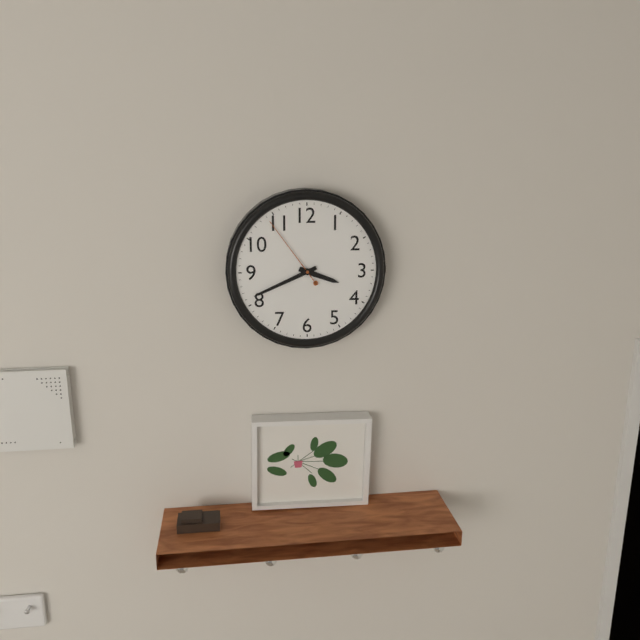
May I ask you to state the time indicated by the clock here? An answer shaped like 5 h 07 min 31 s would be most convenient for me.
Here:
3 h 41 min 54 s
